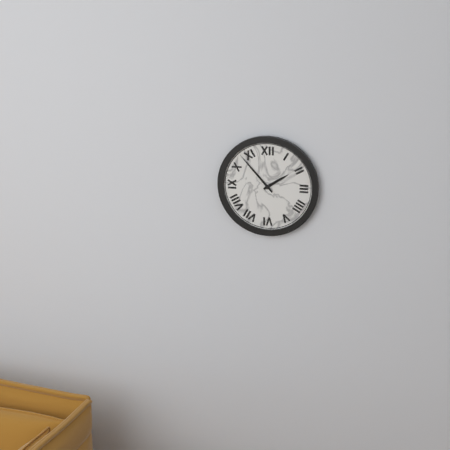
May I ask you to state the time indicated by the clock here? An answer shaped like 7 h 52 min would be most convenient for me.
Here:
1 h 53 min
